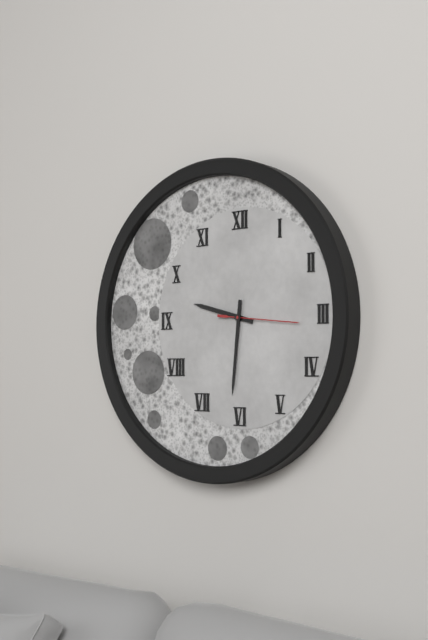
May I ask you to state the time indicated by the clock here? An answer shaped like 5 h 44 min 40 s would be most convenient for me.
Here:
9 h 31 min 16 s
